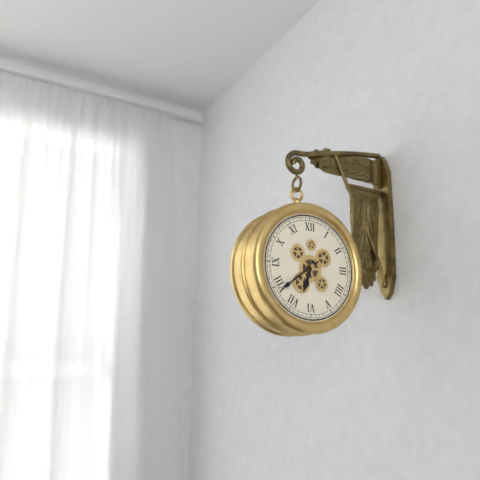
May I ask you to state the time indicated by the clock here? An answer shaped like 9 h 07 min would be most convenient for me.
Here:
6 h 39 min
